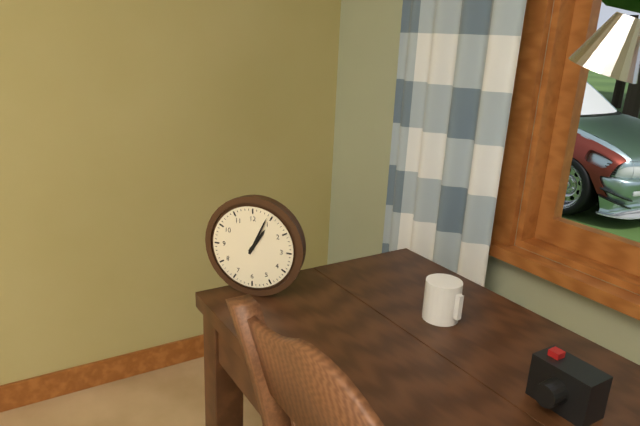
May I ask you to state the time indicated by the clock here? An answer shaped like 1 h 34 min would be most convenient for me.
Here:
1 h 04 min
